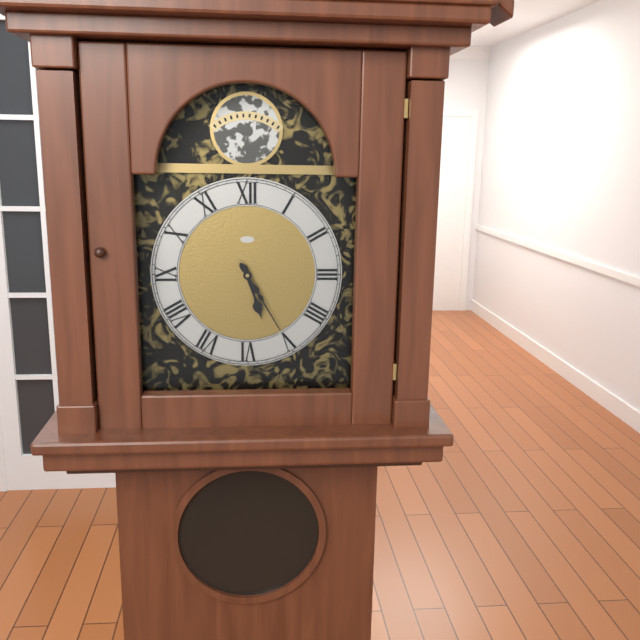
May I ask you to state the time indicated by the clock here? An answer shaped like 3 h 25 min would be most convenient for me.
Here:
5 h 25 min
